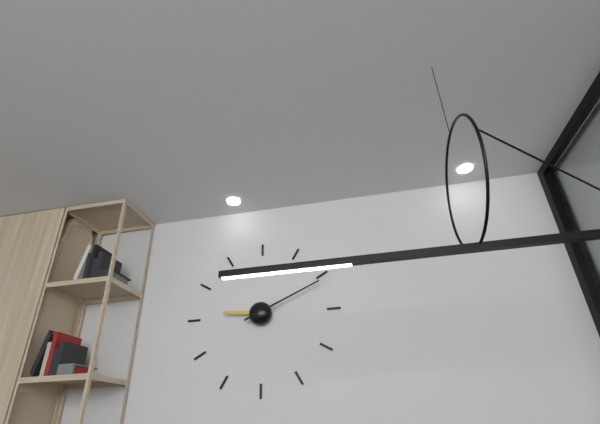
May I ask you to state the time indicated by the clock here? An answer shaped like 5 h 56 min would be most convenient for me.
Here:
9 h 11 min
